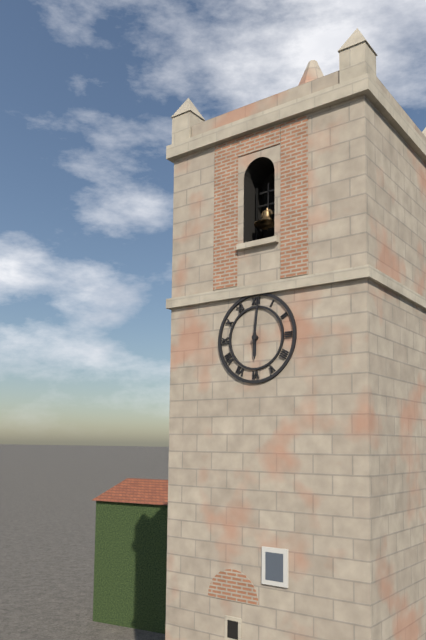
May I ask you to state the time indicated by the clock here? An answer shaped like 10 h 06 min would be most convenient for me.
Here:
6 h 01 min
